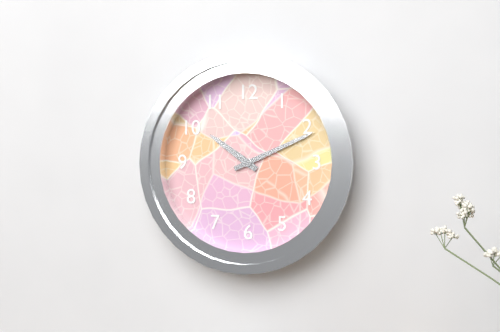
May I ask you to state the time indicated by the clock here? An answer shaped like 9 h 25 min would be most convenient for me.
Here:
10 h 11 min
